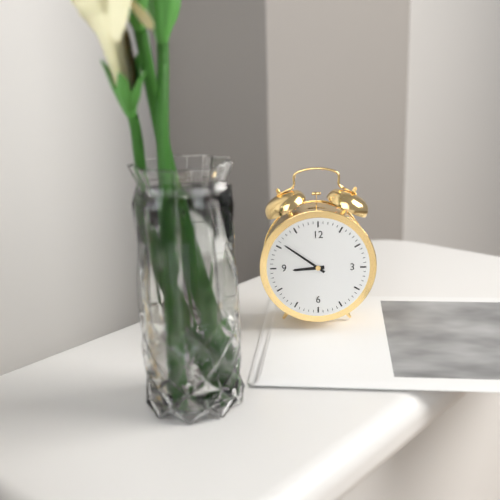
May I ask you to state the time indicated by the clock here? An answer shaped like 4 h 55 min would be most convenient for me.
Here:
8 h 51 min
